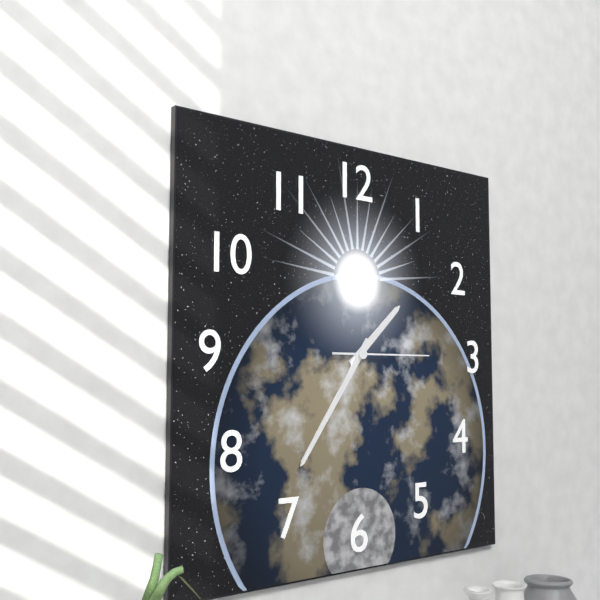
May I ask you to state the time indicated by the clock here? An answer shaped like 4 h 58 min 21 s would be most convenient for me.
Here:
1 h 36 min 15 s
